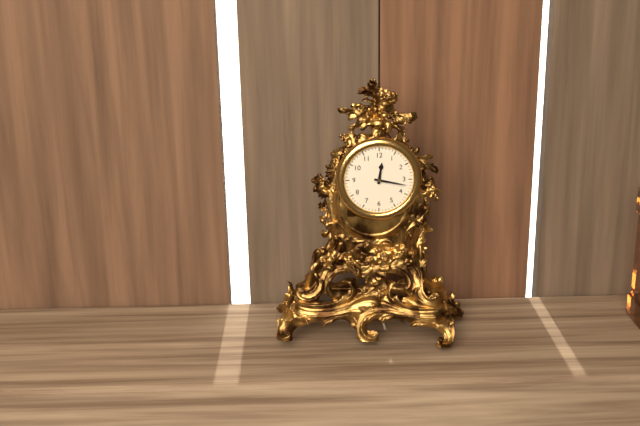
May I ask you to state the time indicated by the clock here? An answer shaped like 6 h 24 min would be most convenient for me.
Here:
12 h 17 min
